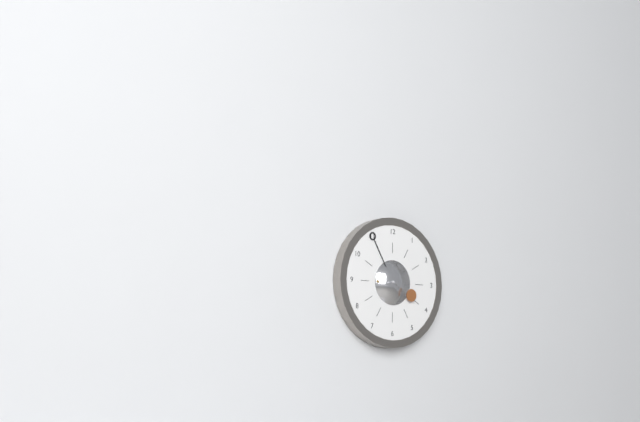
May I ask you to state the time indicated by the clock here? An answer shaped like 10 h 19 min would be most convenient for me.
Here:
3 h 55 min
